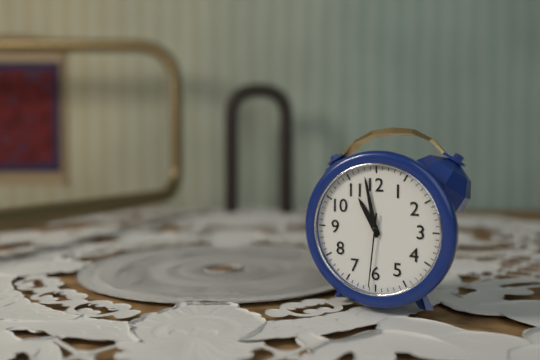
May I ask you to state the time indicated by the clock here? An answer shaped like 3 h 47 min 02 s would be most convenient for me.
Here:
10 h 58 min 31 s
